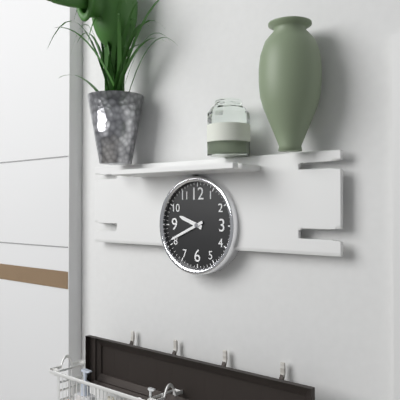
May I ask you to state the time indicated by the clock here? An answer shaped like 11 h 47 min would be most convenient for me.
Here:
9 h 41 min
